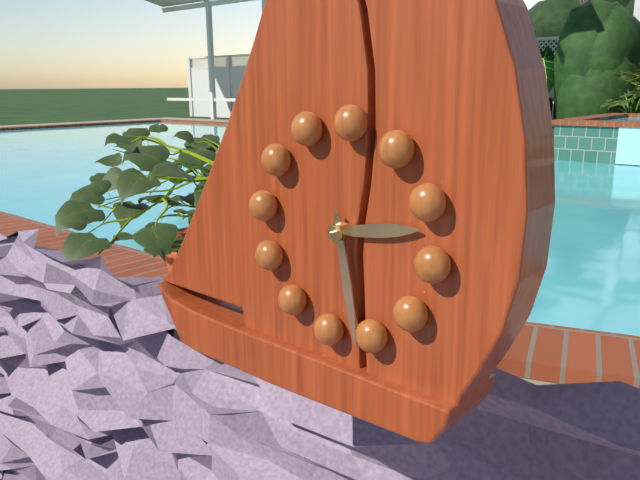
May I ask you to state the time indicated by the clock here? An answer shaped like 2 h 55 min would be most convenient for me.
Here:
2 h 27 min
